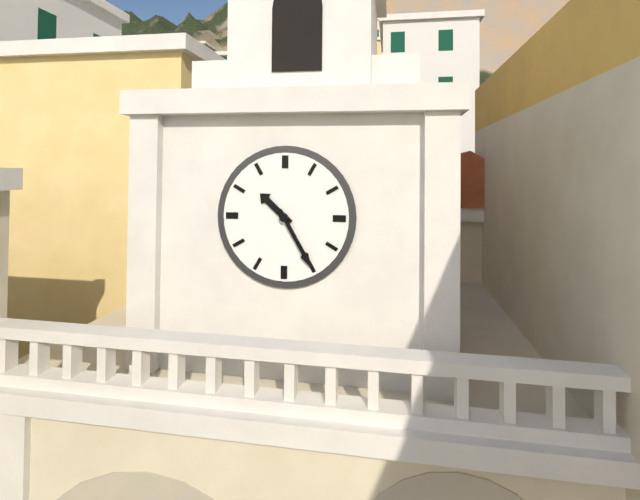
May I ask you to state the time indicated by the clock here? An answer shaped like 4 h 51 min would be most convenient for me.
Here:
10 h 25 min
